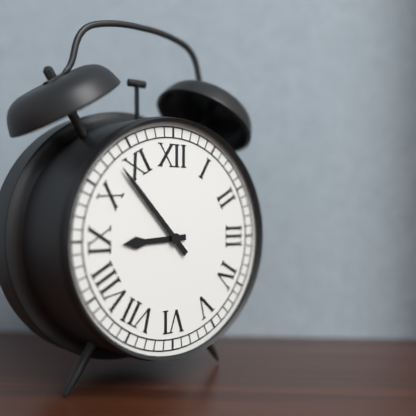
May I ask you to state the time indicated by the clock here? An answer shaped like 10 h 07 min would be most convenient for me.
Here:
8 h 53 min
